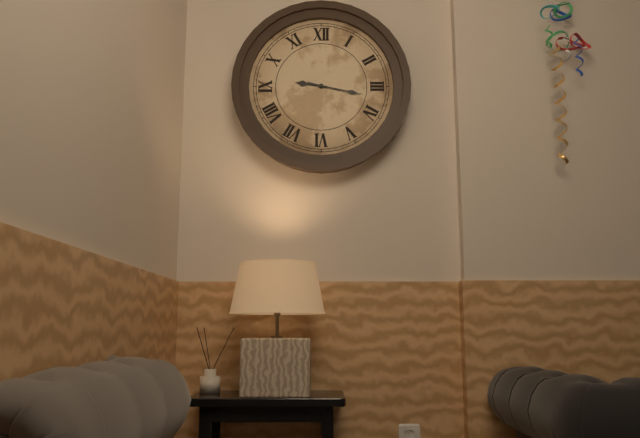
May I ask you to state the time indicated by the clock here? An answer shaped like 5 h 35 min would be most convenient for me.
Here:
9 h 17 min
